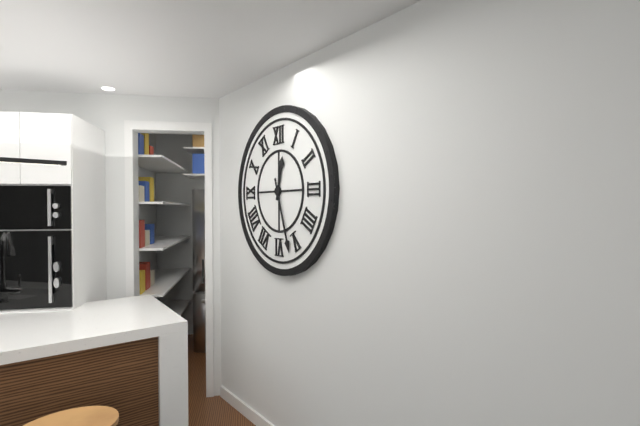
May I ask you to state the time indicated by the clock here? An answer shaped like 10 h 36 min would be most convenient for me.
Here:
12 h 27 min
